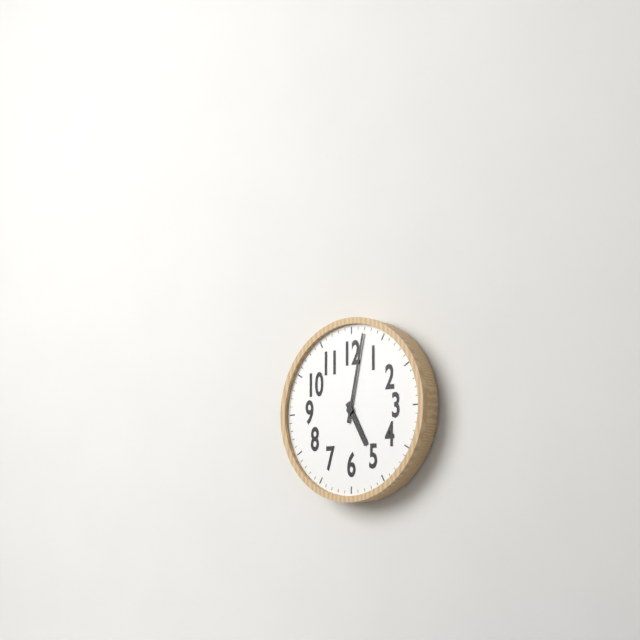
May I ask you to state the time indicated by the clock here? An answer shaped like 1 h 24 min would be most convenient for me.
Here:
5 h 02 min
